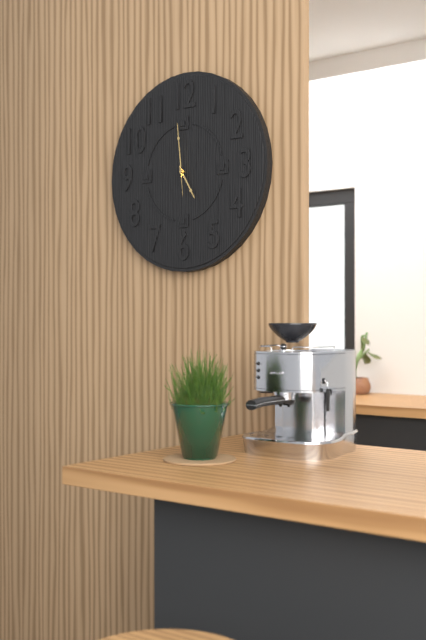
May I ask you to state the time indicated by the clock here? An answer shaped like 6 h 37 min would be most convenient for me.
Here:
4 h 59 min
